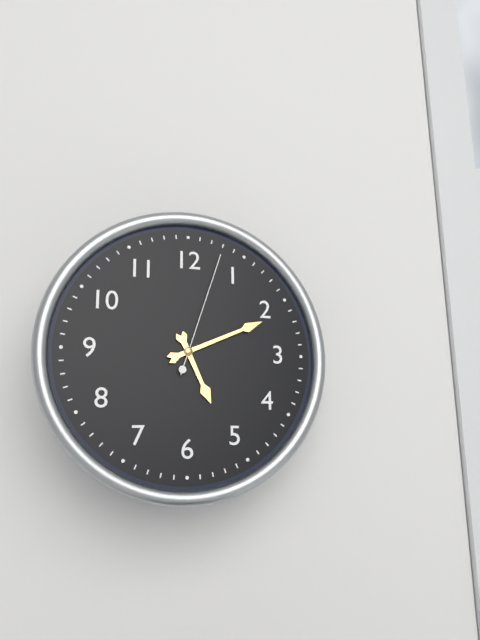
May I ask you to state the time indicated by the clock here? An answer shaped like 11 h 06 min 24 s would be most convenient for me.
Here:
5 h 11 min 03 s
